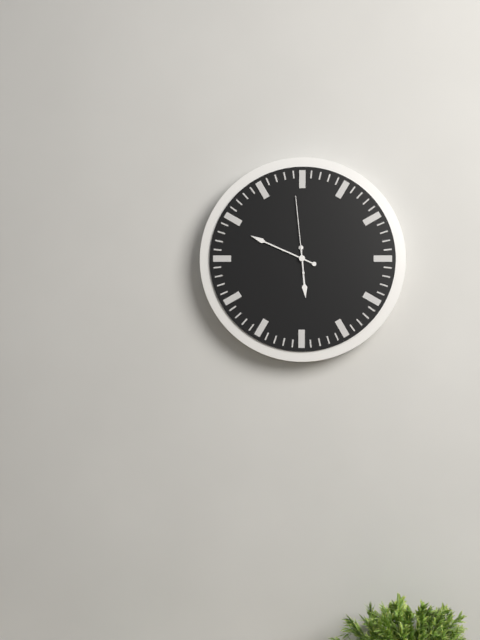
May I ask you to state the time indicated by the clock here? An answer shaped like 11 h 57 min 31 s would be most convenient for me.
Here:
5 h 49 min 59 s
